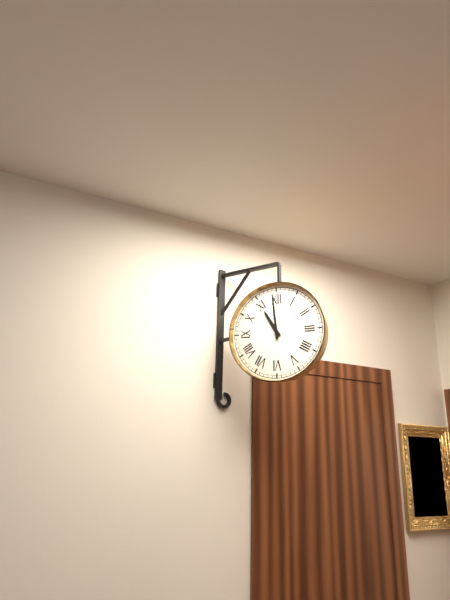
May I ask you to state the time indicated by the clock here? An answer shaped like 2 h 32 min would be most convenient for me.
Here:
10 h 59 min
